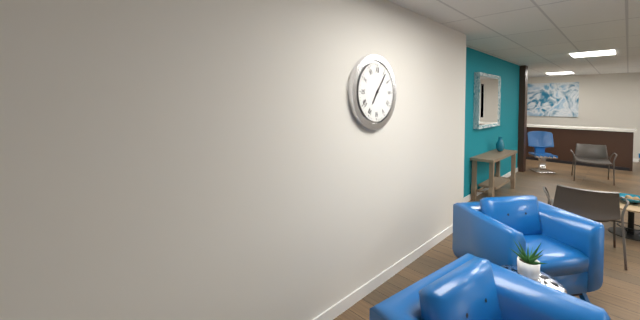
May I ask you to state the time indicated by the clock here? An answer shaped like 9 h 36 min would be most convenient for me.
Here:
7 h 06 min
